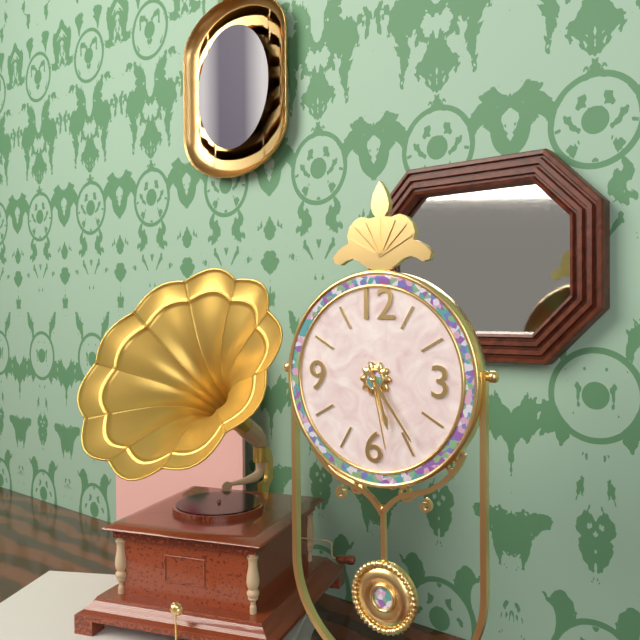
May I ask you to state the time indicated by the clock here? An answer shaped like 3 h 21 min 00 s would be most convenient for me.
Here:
5 h 24 min 28 s
